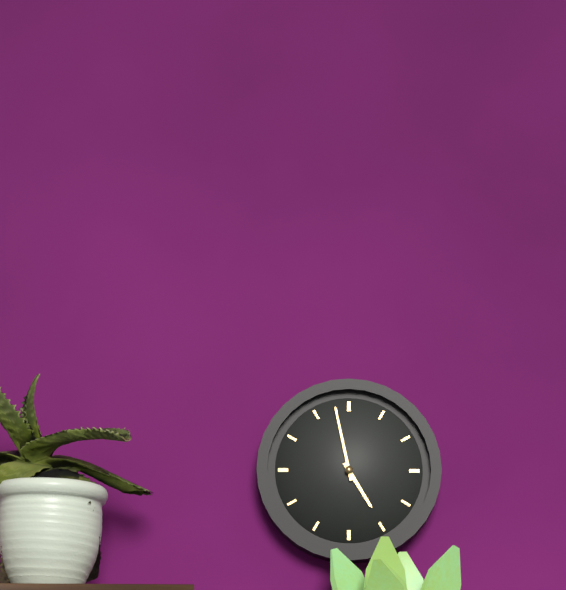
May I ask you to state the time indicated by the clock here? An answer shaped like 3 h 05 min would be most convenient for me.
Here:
4 h 58 min
